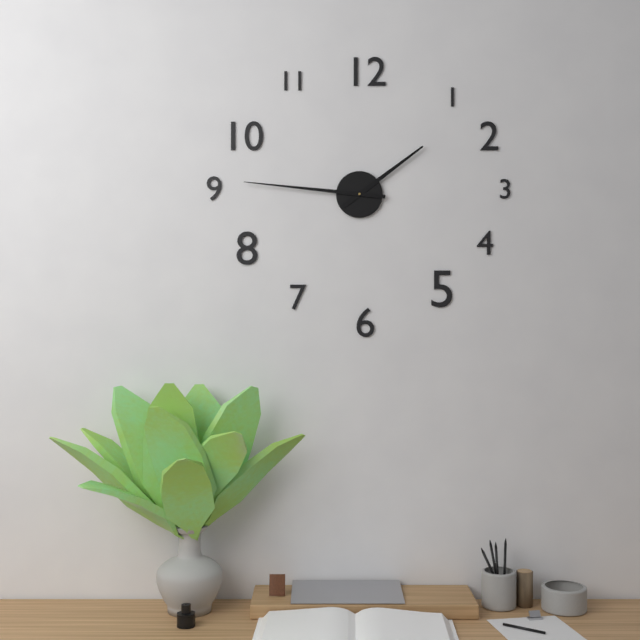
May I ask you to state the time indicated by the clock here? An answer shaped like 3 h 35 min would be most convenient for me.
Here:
1 h 46 min
